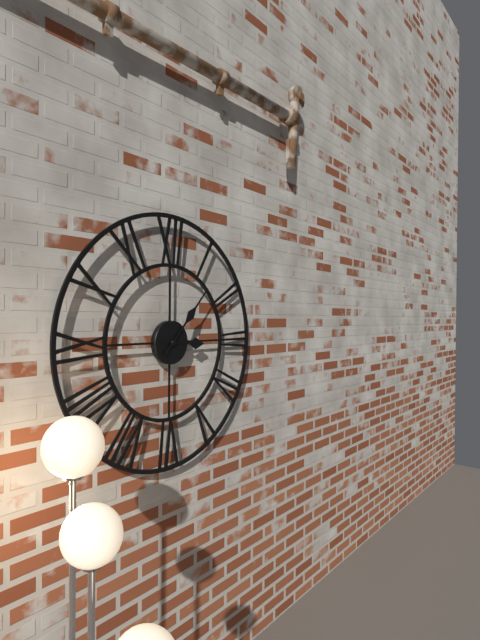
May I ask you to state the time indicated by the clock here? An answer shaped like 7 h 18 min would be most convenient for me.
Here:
3 h 07 min
